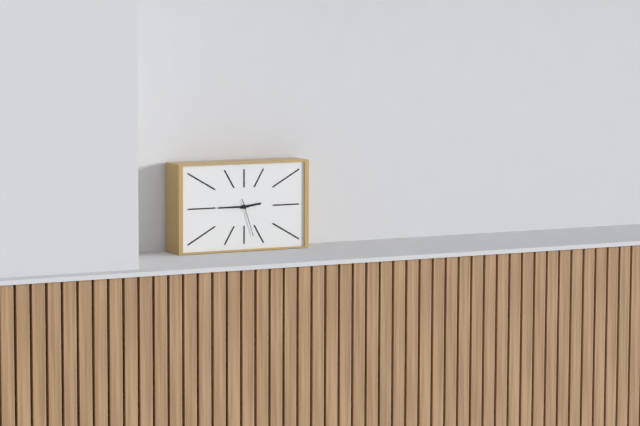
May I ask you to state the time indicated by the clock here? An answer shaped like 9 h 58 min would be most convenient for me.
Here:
2 h 45 min
